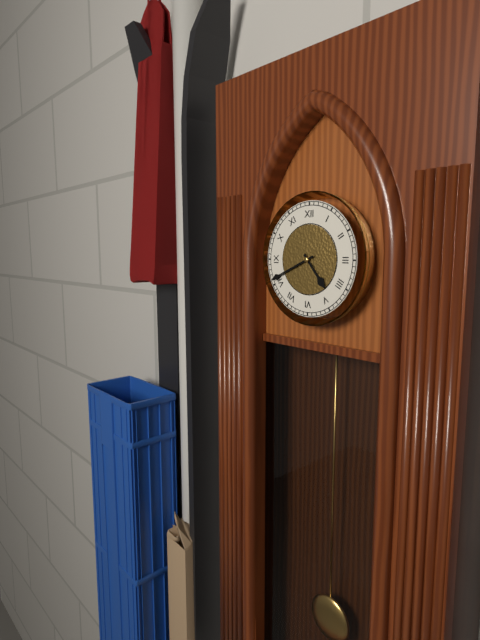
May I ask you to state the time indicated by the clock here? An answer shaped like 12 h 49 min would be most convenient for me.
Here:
4 h 41 min
